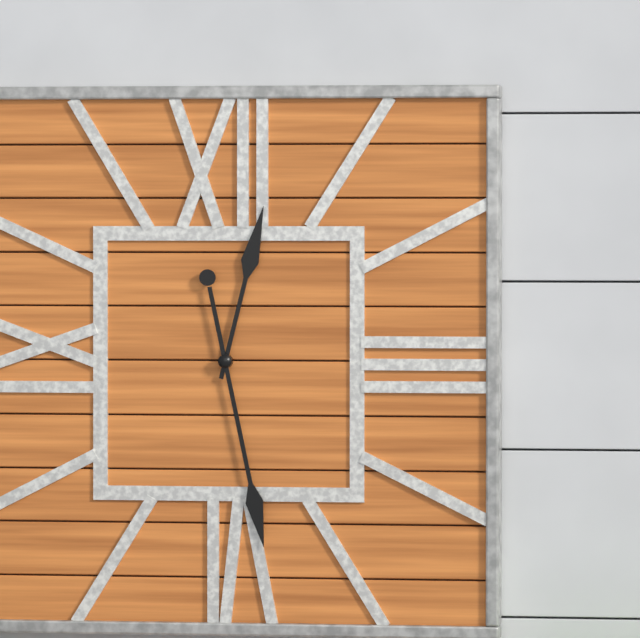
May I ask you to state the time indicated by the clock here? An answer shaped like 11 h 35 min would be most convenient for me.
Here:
12 h 28 min
